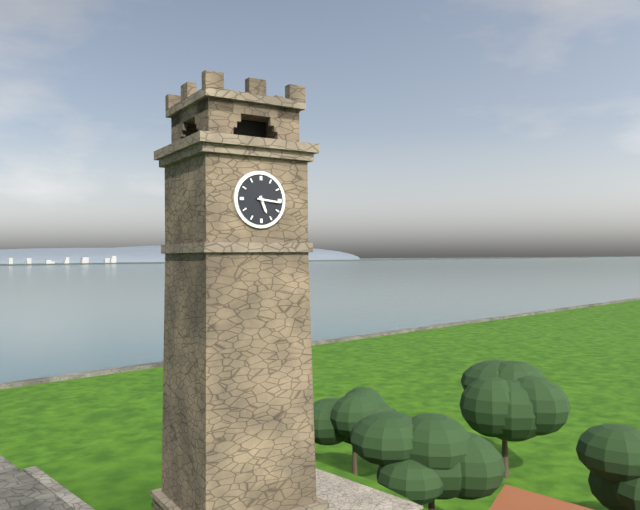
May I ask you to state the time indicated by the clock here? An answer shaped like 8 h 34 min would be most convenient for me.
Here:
5 h 16 min
